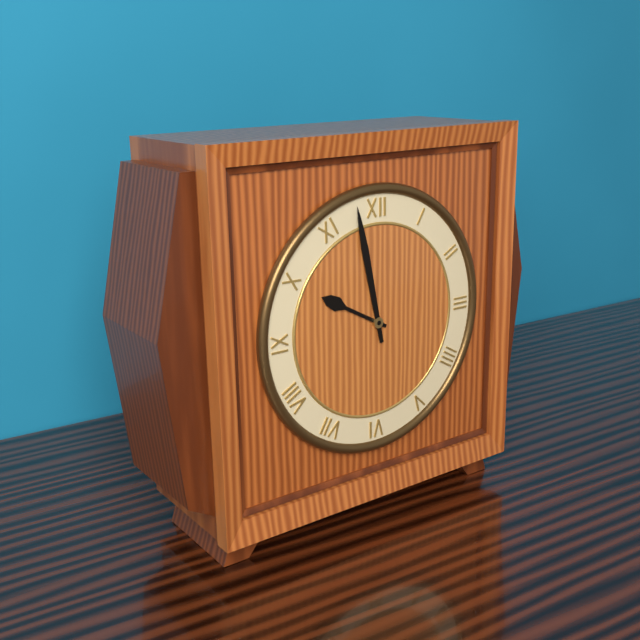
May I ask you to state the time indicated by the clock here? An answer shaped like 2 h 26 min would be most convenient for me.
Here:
9 h 58 min
